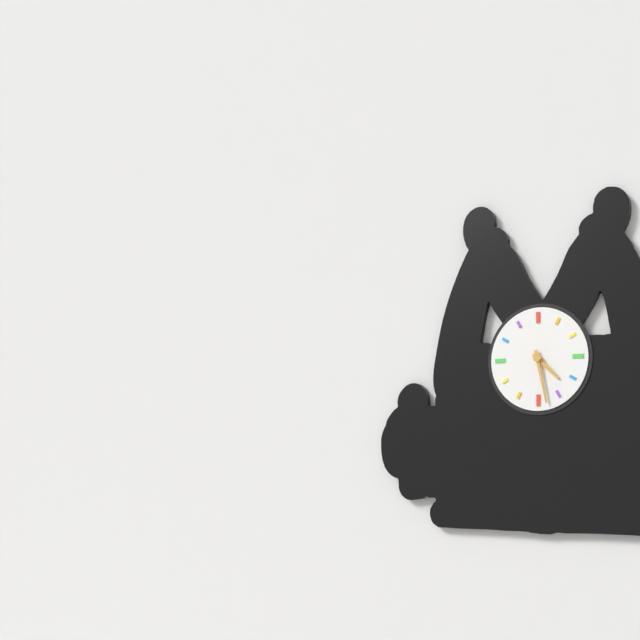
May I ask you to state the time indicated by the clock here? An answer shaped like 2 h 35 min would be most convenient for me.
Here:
4 h 28 min
